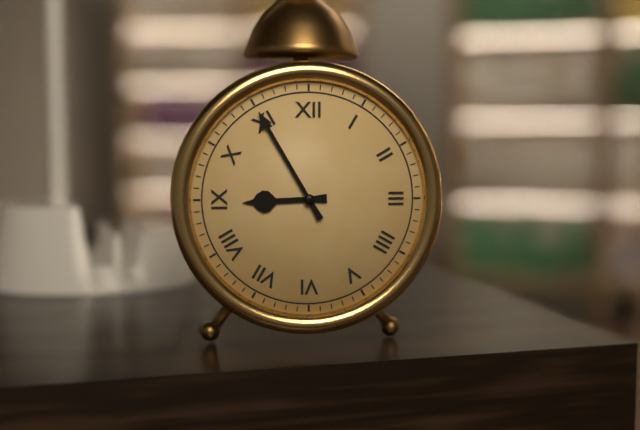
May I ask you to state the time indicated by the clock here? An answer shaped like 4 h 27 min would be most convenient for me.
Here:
8 h 55 min
